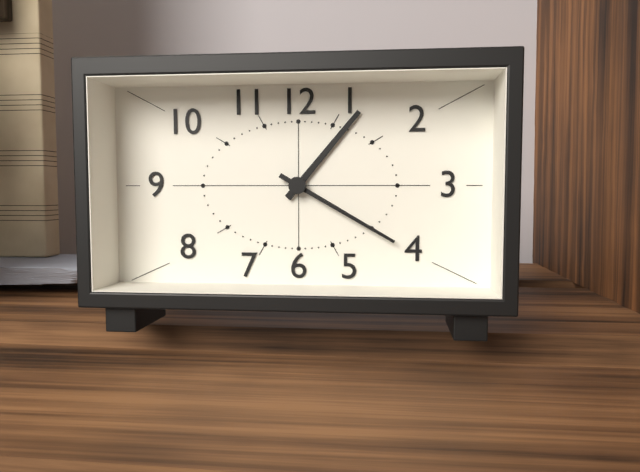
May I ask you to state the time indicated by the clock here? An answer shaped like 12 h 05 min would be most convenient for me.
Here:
1 h 20 min
